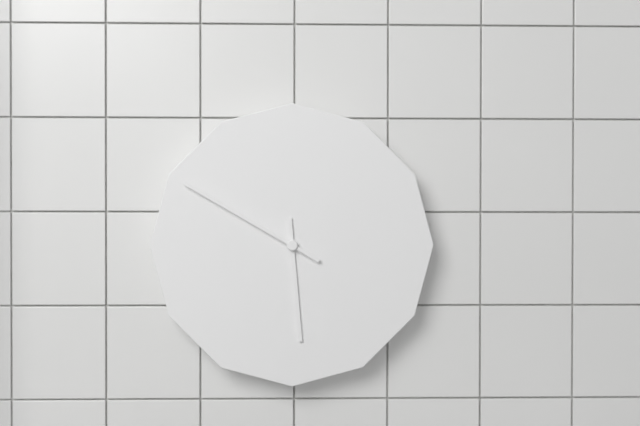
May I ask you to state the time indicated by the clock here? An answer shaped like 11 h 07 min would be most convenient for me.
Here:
5 h 50 min
